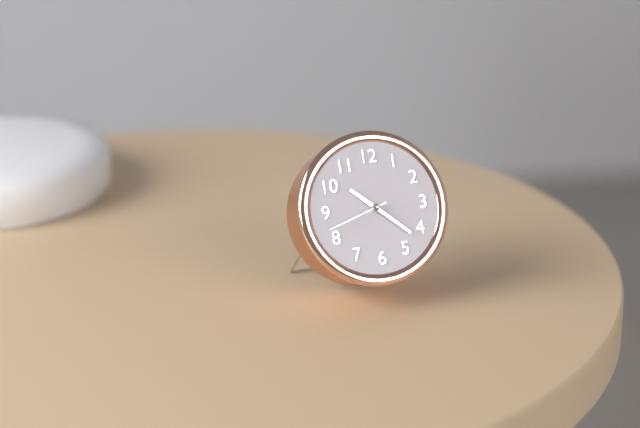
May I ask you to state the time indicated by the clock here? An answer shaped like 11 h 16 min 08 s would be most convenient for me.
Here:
10 h 22 min 42 s
